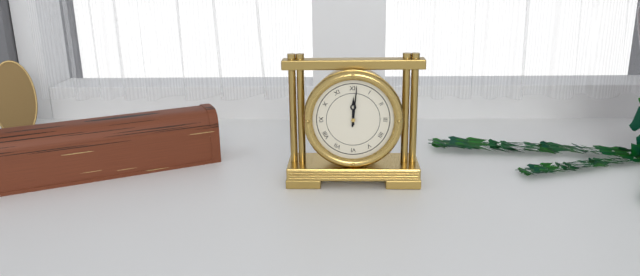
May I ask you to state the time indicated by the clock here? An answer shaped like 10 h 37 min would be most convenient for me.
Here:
12 h 01 min
